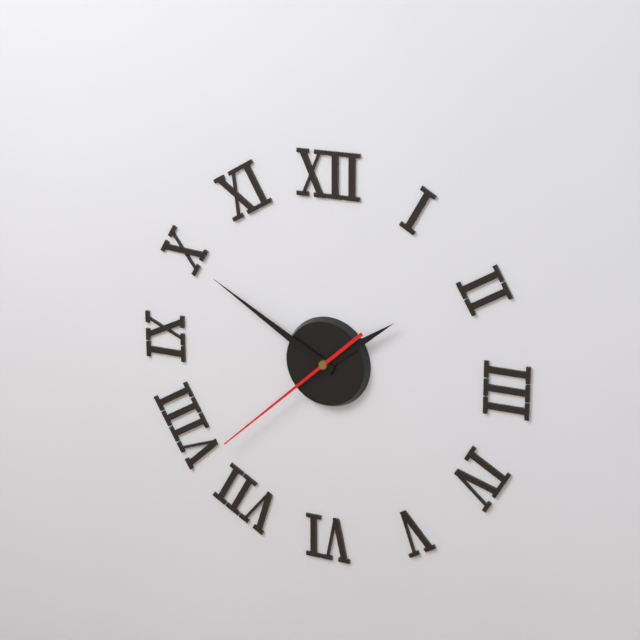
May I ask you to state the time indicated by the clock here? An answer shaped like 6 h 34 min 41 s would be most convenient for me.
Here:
1 h 50 min 38 s
